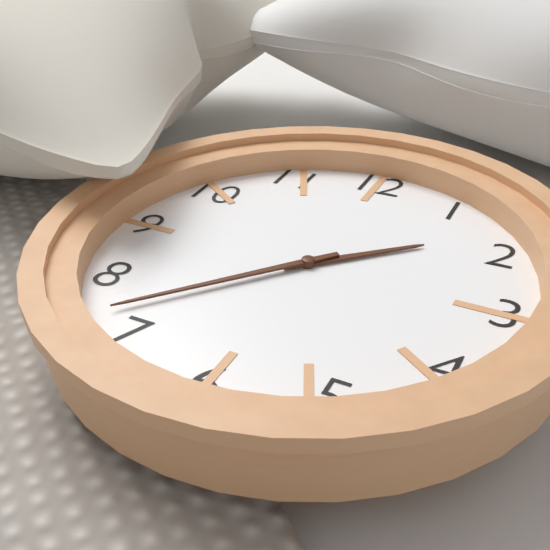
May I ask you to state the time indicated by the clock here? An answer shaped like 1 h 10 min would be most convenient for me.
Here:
1 h 37 min
